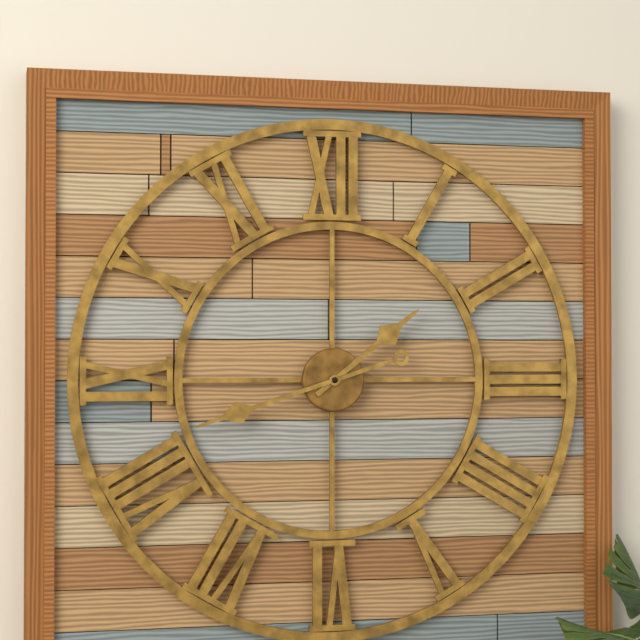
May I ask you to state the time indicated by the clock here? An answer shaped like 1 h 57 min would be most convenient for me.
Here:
1 h 42 min
